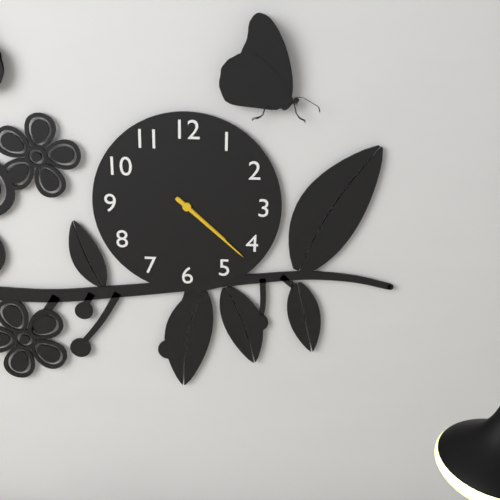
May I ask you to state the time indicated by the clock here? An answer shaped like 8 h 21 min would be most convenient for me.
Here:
4 h 22 min
